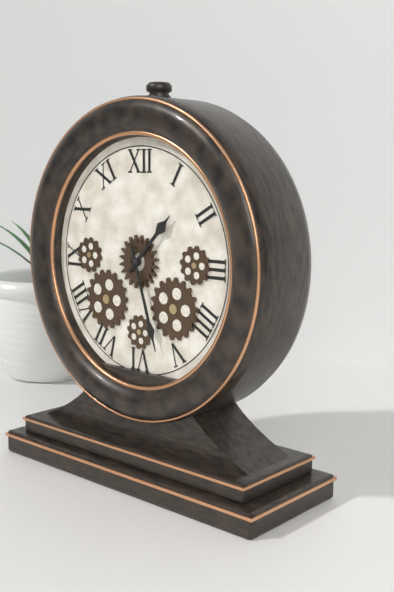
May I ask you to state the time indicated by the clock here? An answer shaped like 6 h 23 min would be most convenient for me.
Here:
1 h 27 min
